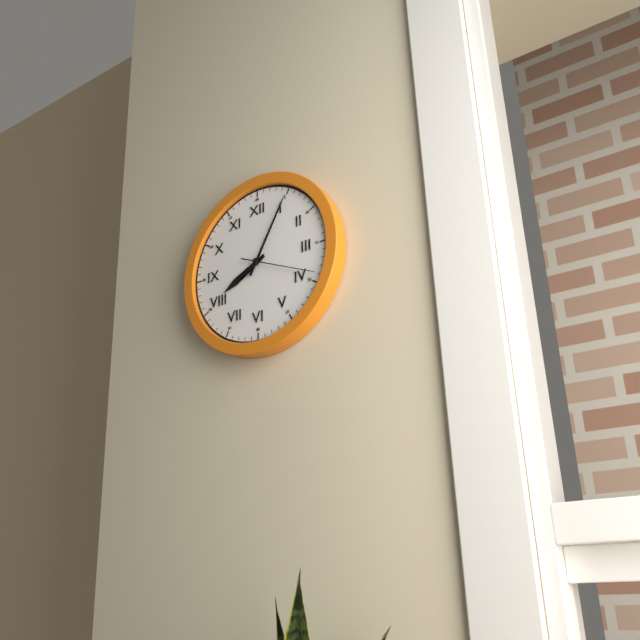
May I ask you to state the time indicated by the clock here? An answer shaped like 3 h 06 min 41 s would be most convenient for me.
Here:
8 h 05 min 19 s
